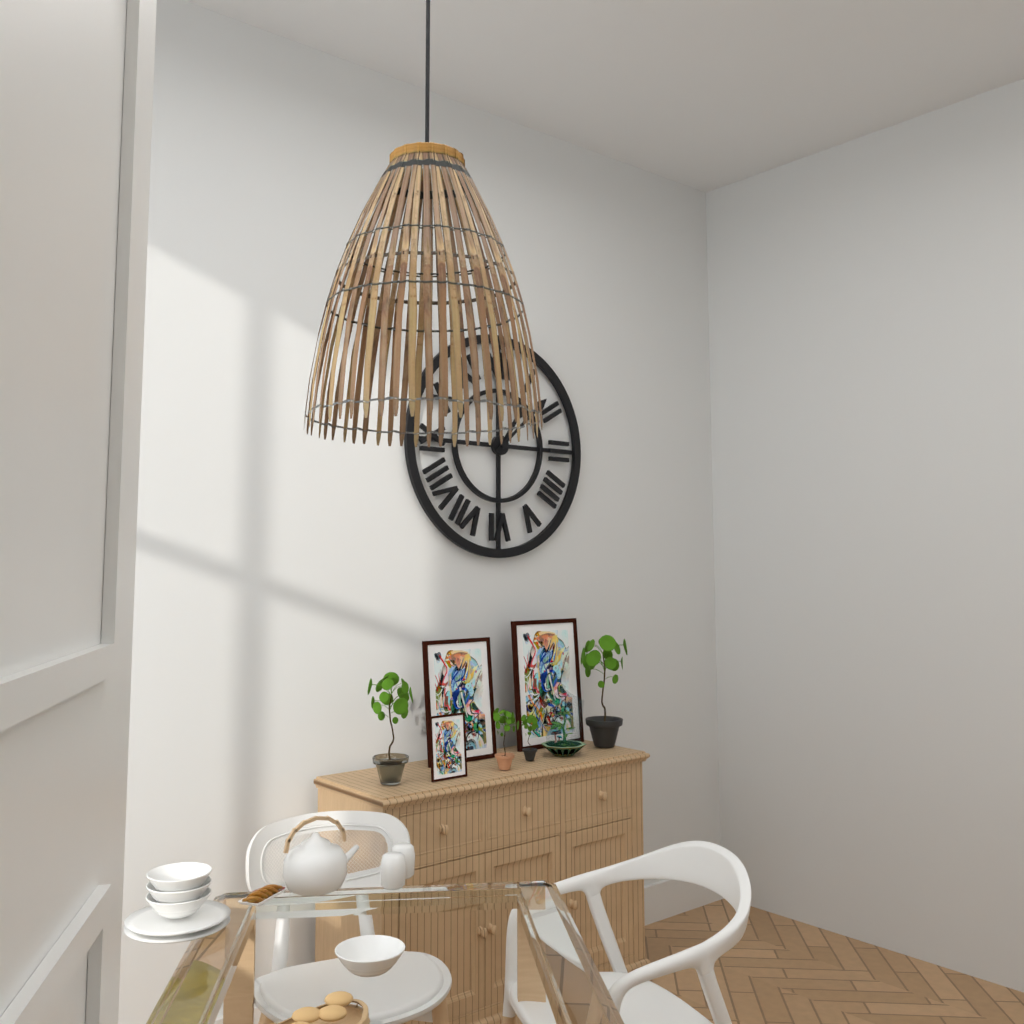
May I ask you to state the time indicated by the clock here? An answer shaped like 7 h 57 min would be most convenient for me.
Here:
1 h 08 min
